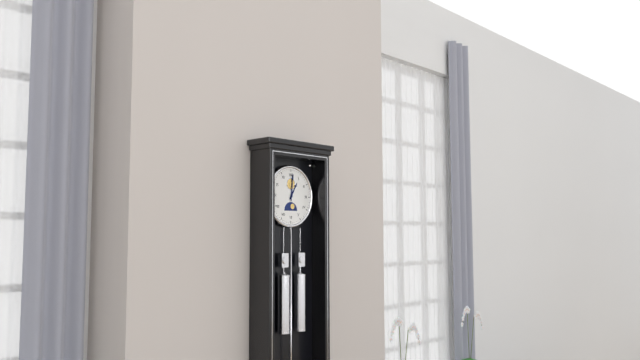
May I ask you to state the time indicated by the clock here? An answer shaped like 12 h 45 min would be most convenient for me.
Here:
1 h 01 min
